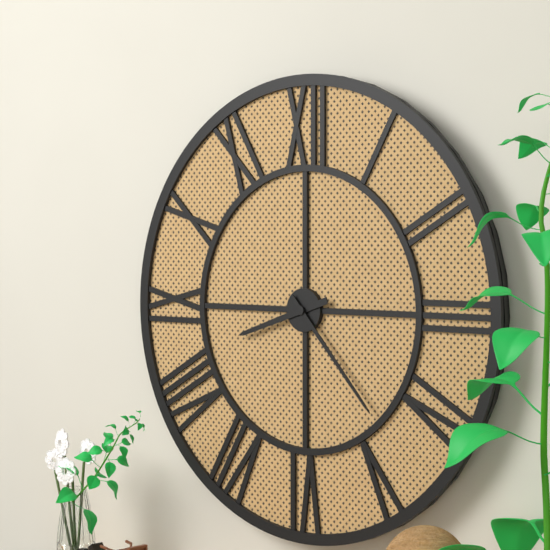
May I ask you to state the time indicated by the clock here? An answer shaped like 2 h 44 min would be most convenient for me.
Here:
8 h 23 min
